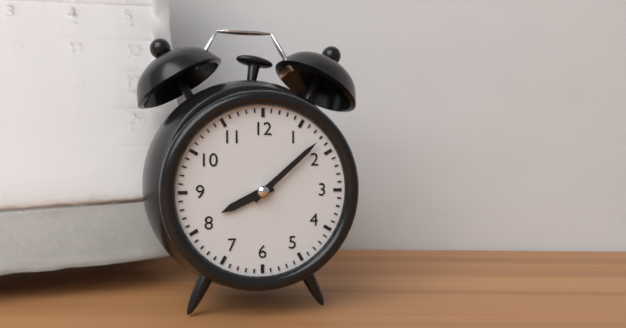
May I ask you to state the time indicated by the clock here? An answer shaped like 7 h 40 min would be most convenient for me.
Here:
8 h 08 min
